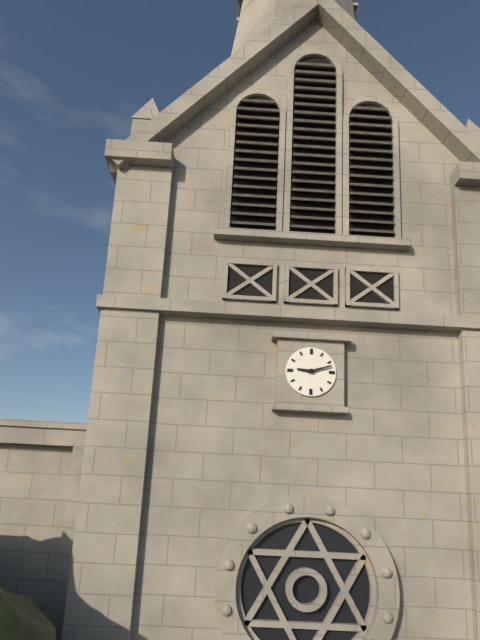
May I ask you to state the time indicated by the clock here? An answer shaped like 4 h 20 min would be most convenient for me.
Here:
9 h 12 min
